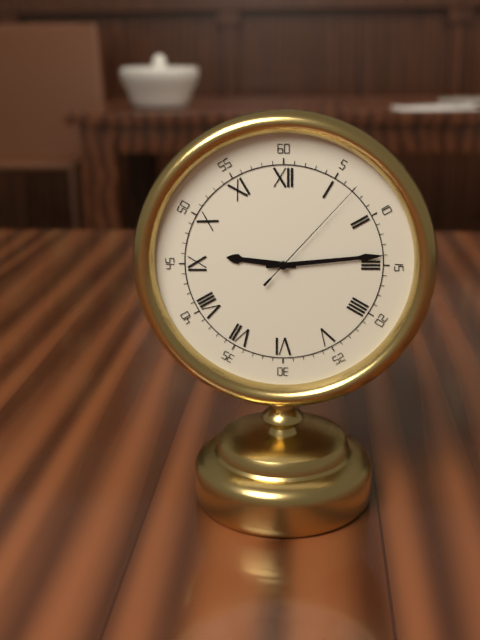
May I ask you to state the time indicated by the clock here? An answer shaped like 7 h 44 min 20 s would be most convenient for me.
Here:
9 h 14 min 07 s
